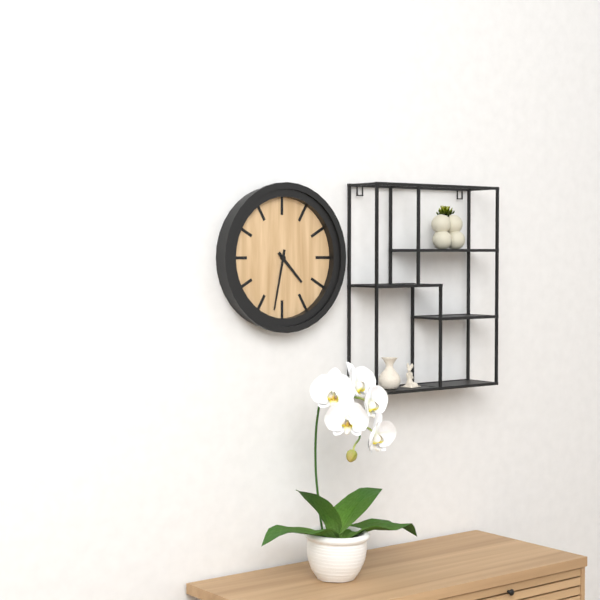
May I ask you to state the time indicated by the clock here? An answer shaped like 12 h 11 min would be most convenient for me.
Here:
4 h 32 min
